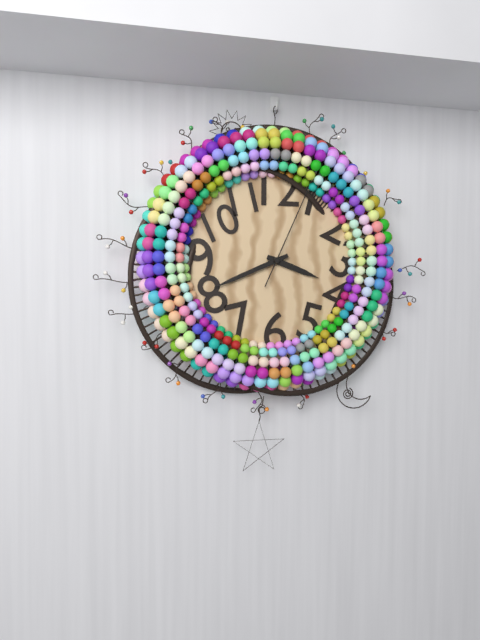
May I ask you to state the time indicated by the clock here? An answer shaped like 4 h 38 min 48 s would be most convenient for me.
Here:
3 h 41 min 04 s
